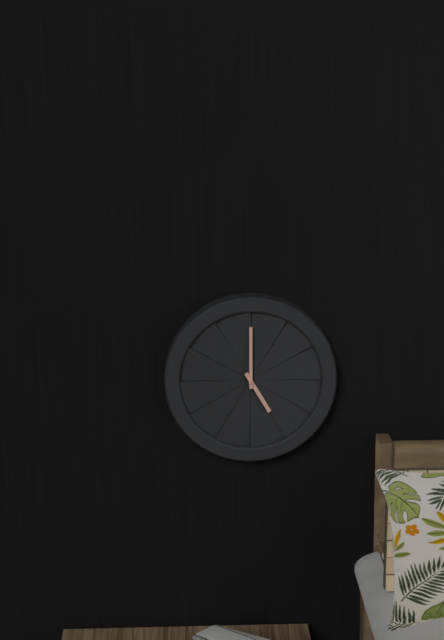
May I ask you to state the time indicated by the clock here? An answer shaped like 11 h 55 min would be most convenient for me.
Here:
5 h 00 min
